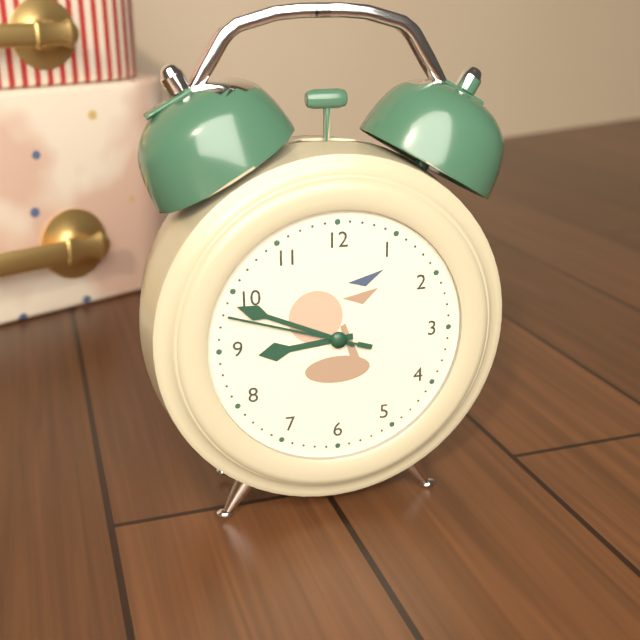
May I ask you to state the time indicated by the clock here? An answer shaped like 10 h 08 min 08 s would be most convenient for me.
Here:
8 h 49 min 48 s
